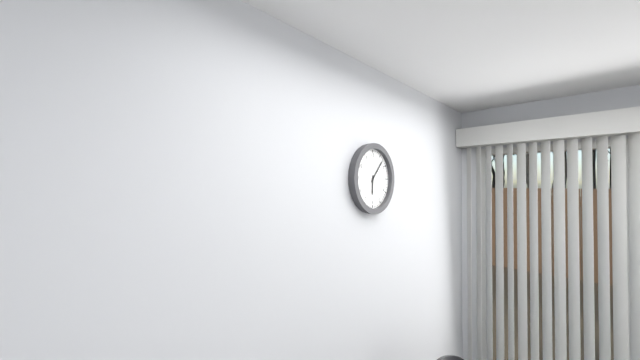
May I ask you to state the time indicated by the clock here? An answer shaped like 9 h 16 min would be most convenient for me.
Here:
6 h 07 min
